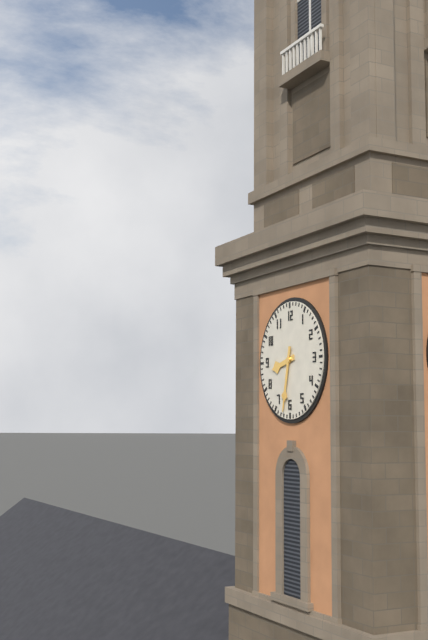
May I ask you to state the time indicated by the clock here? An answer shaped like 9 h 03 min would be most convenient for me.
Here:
8 h 32 min
